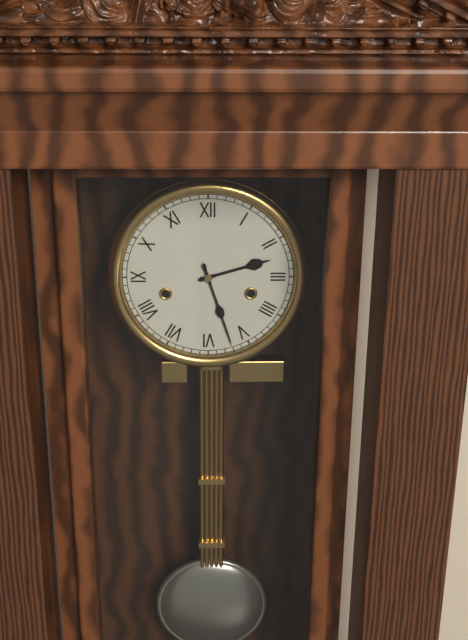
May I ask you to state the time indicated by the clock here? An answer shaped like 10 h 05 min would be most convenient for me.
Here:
2 h 27 min
